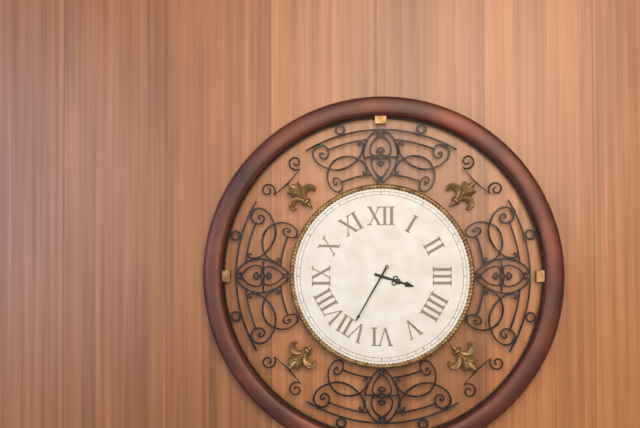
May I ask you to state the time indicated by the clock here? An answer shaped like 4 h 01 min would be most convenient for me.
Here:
3 h 35 min
